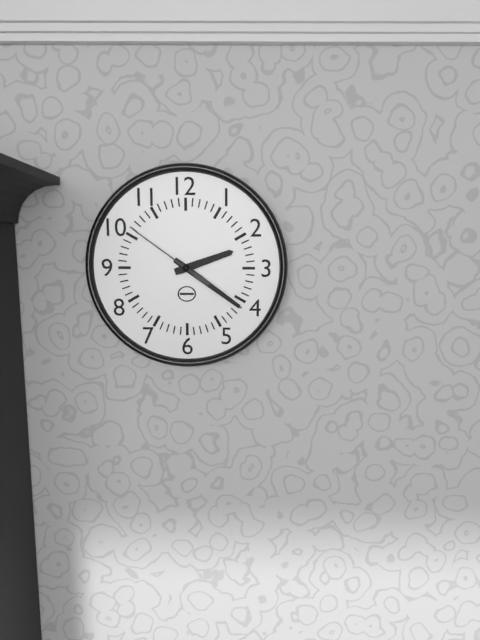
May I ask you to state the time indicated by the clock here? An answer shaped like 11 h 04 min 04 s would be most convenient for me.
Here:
2 h 21 min 51 s
